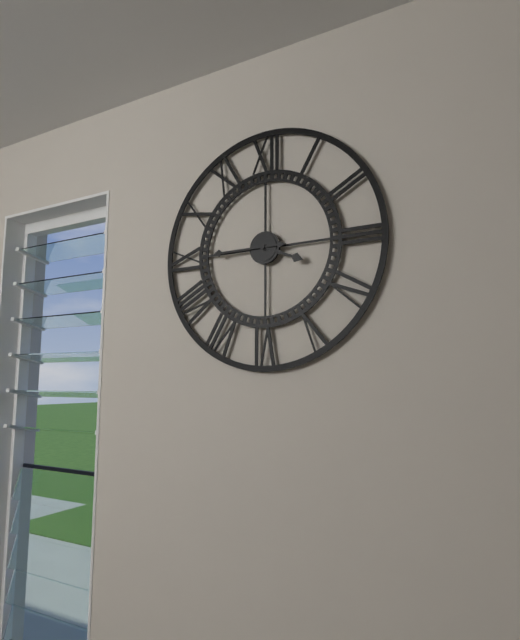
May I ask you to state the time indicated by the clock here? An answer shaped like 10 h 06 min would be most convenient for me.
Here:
3 h 45 min
